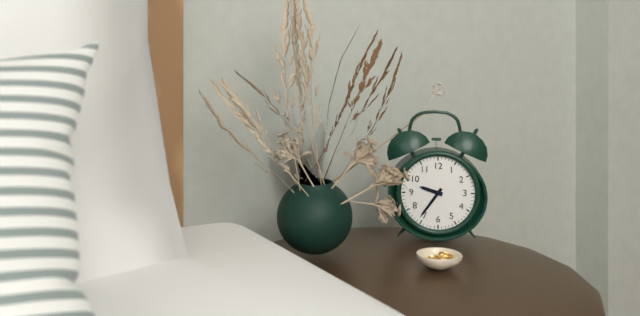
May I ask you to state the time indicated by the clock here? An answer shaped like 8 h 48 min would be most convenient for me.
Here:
9 h 36 min
